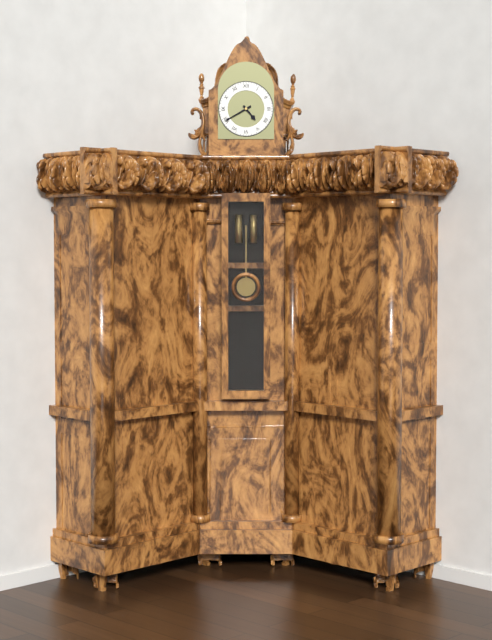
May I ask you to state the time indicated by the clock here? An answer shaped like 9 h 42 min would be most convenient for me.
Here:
4 h 40 min
